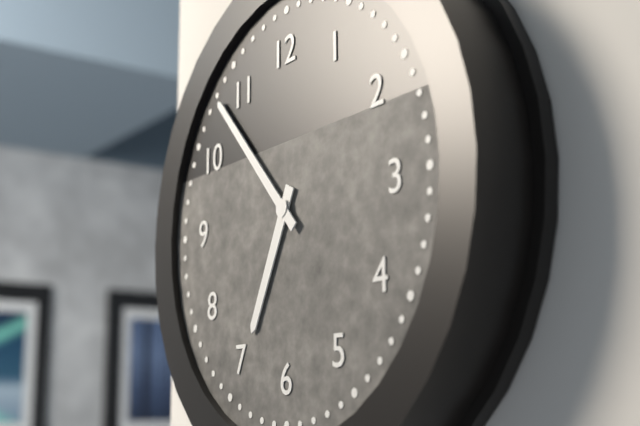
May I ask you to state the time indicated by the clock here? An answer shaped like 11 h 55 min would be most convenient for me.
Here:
6 h 53 min
